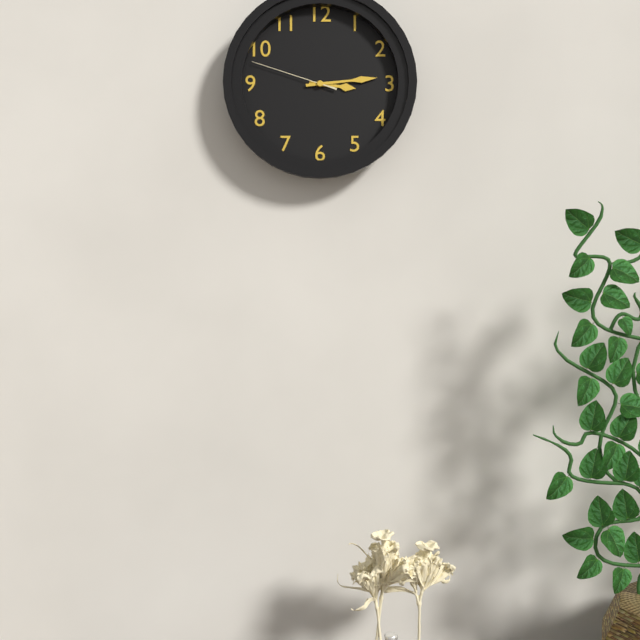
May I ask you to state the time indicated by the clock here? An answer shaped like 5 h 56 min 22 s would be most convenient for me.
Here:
3 h 14 min 48 s
